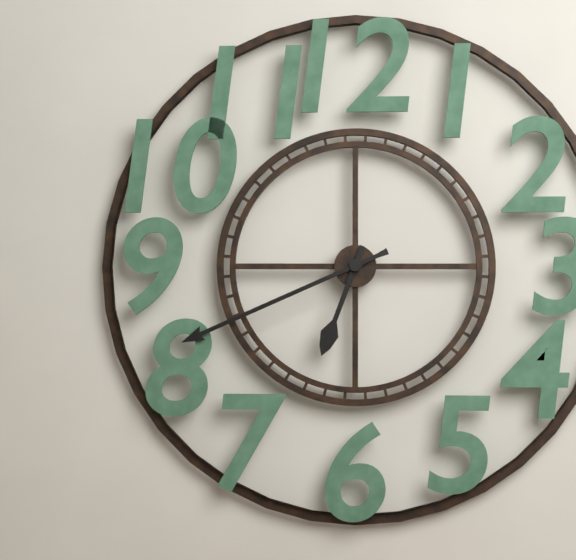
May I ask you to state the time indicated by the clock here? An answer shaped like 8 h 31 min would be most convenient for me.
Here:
6 h 41 min
